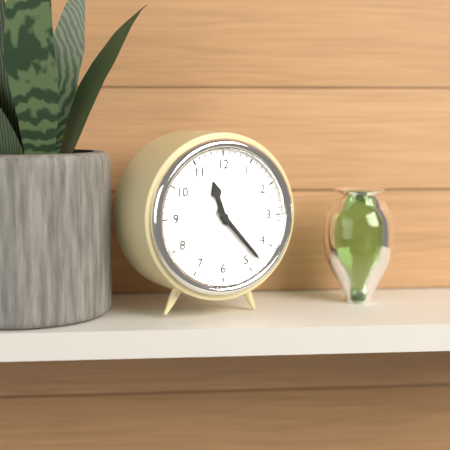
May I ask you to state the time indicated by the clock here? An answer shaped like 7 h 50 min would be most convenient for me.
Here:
11 h 23 min
